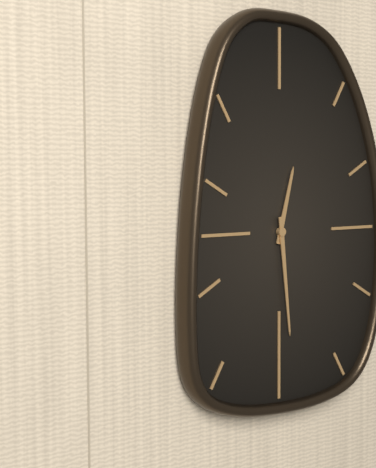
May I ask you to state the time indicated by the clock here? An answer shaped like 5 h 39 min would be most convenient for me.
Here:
12 h 29 min
